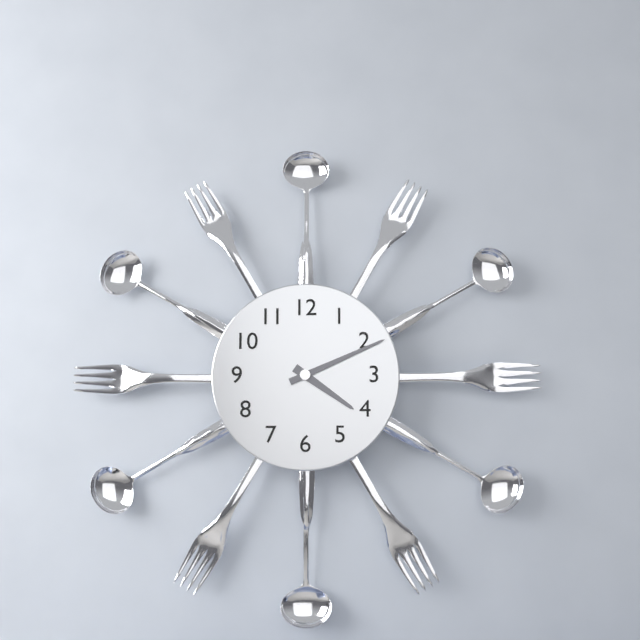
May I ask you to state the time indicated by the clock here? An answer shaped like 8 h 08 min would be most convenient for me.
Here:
4 h 11 min
